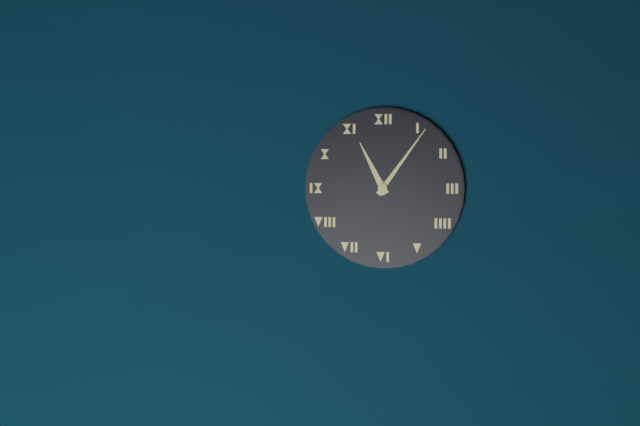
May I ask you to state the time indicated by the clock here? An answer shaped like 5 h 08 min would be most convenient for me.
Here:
11 h 06 min
